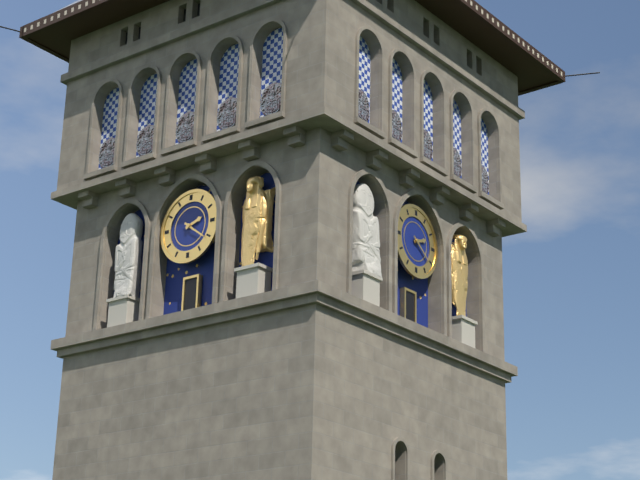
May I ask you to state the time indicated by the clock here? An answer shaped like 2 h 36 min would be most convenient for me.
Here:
2 h 21 min
